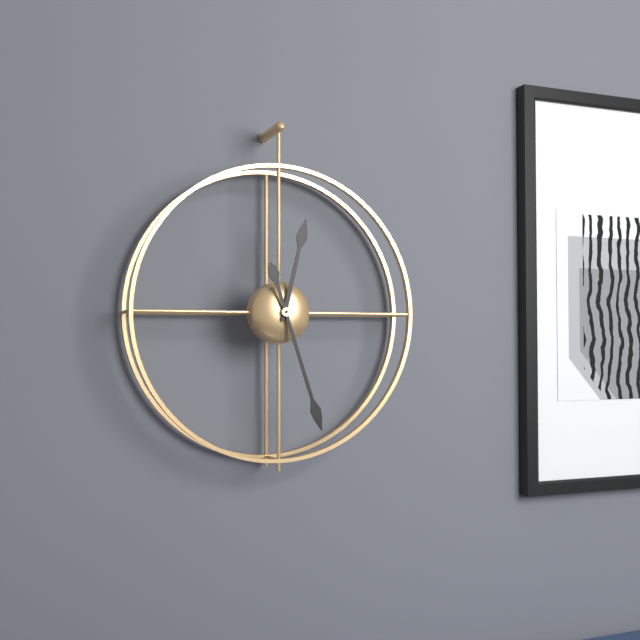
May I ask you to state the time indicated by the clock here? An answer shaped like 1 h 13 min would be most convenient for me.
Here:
12 h 27 min
